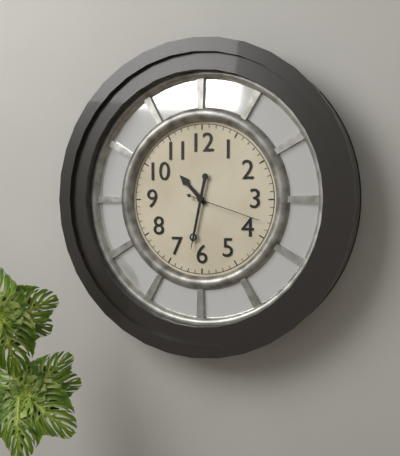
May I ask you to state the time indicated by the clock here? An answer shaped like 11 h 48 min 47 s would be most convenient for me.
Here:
10 h 32 min 18 s
